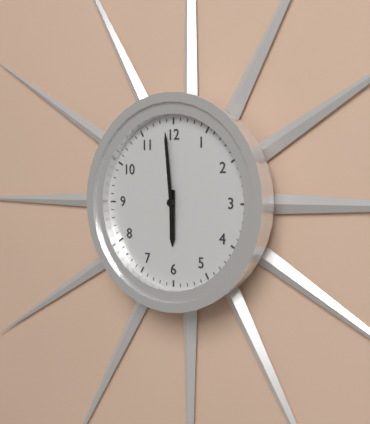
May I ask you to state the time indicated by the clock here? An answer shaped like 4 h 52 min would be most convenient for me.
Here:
5 h 59 min
